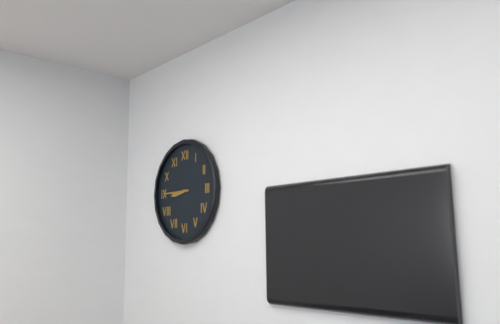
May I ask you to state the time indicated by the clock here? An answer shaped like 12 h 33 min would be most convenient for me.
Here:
8 h 45 min
